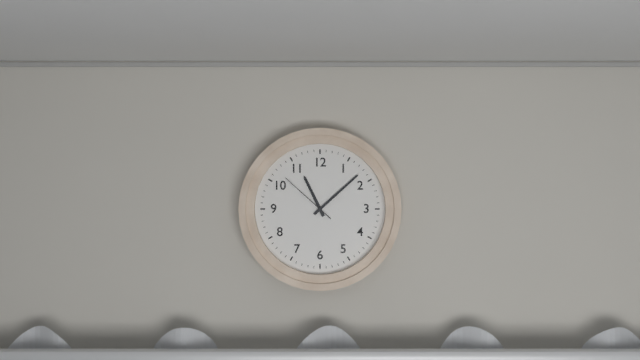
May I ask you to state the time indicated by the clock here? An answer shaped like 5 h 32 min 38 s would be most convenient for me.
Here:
11 h 08 min 52 s
